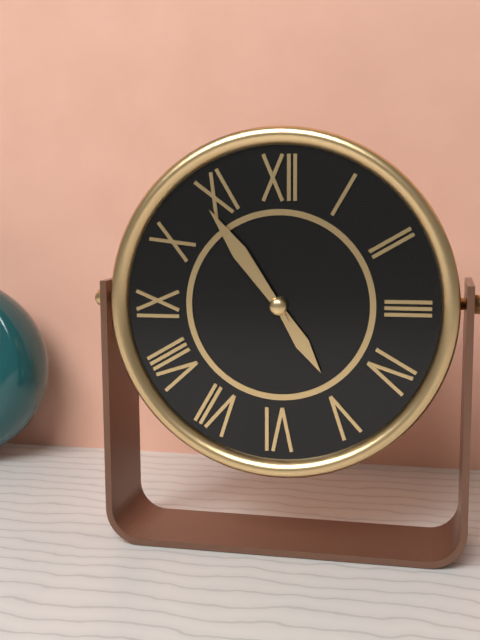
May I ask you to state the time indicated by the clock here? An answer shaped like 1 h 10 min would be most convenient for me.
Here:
4 h 54 min
